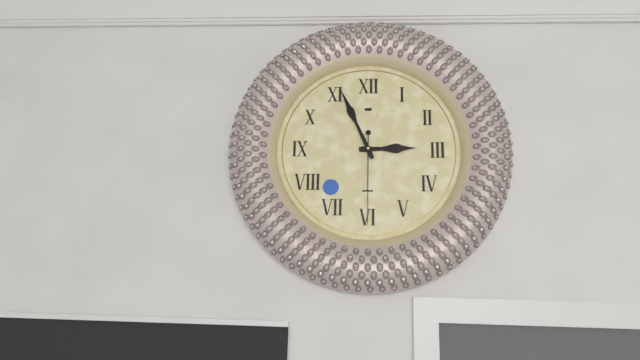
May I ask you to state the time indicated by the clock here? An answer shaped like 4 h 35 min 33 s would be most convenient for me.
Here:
2 h 56 min 30 s
